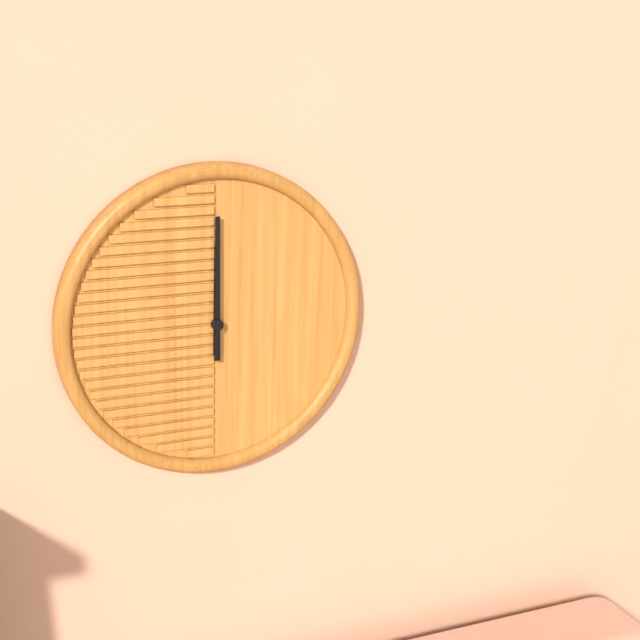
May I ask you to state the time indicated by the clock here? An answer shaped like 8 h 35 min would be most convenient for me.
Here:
12 h 00 min
